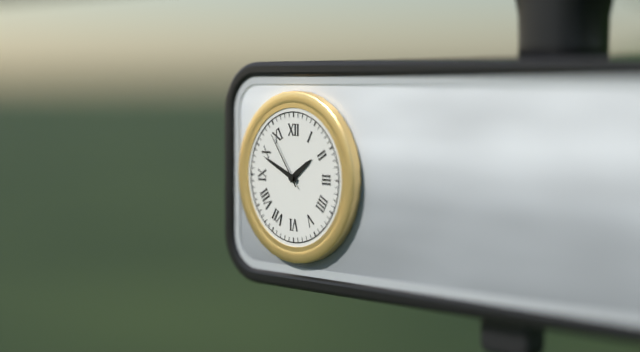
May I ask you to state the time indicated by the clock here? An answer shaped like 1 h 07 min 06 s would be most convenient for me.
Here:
1 h 49 min 54 s
